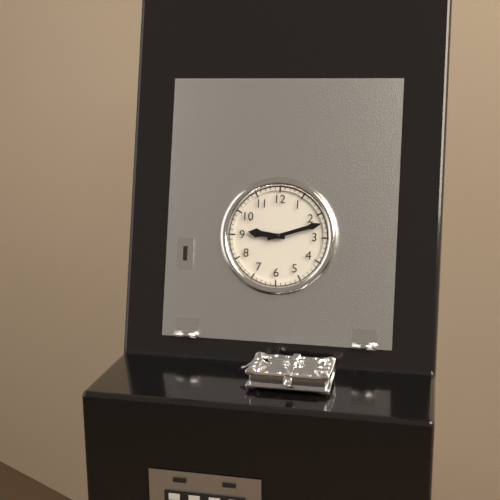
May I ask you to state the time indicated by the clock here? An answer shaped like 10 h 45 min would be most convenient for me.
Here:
9 h 12 min
